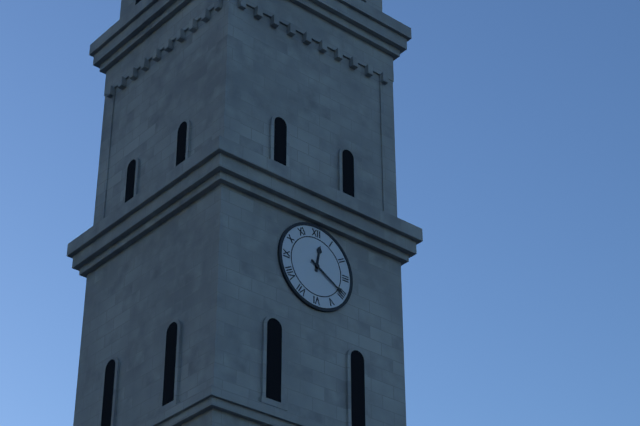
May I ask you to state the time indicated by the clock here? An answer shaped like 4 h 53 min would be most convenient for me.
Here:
12 h 20 min
